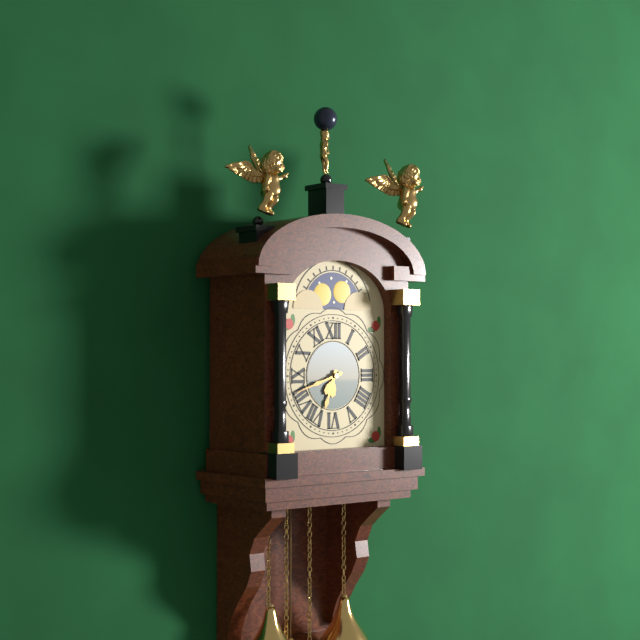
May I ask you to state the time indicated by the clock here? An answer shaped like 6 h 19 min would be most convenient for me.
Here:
6 h 42 min
